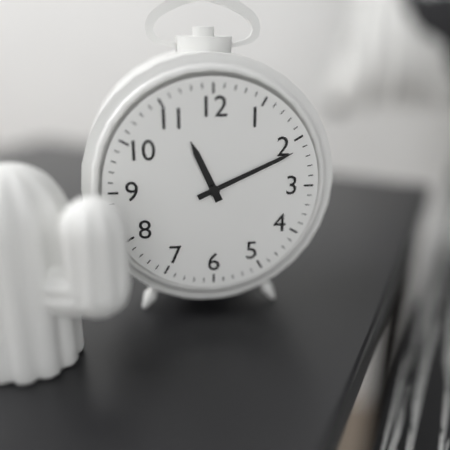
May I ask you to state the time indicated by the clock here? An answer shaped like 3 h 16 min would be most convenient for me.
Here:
11 h 11 min
